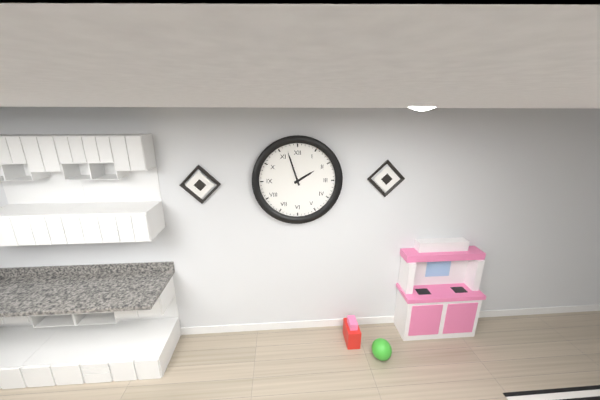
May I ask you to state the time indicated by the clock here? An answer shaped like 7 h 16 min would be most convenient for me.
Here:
1 h 57 min
